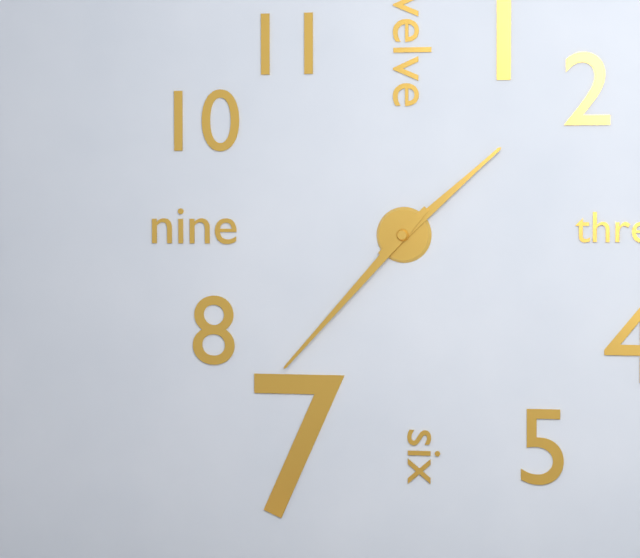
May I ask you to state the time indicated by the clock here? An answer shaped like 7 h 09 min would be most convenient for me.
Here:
1 h 37 min
